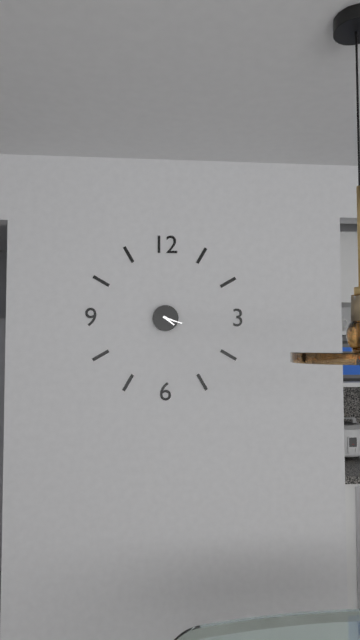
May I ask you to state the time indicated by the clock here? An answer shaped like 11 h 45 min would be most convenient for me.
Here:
4 h 18 min
